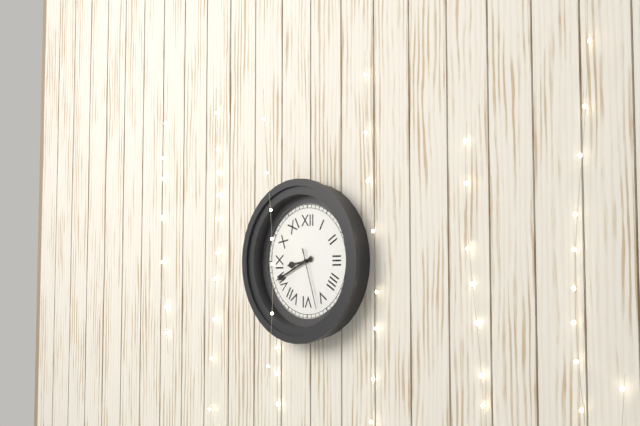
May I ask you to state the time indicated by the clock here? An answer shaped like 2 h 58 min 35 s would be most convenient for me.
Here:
8 h 41 min 27 s
